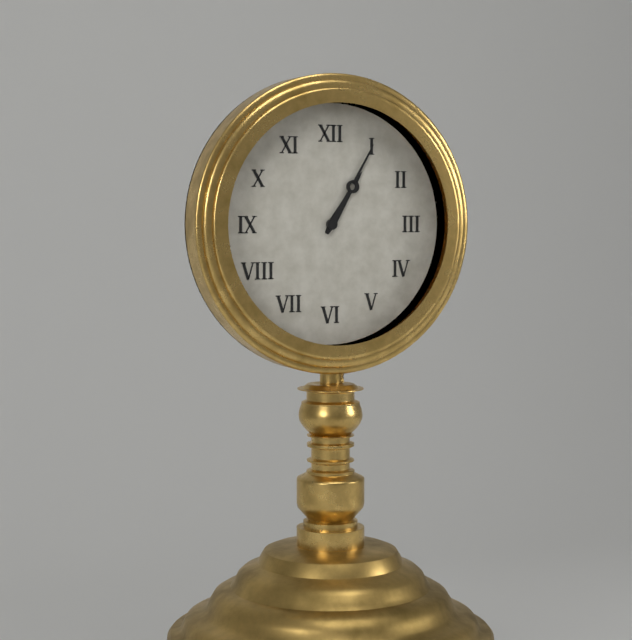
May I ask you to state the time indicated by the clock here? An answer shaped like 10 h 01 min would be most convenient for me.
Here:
1 h 05 min
